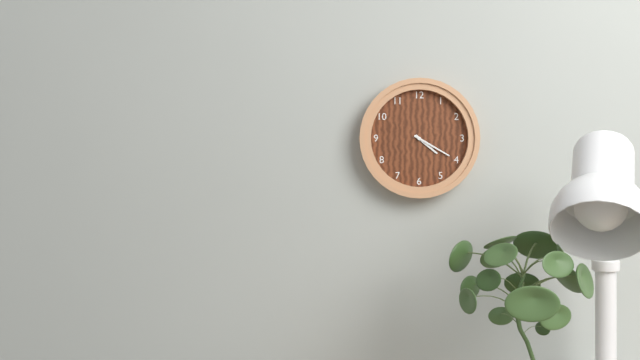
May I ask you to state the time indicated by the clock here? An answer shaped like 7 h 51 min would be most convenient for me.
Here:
4 h 20 min
